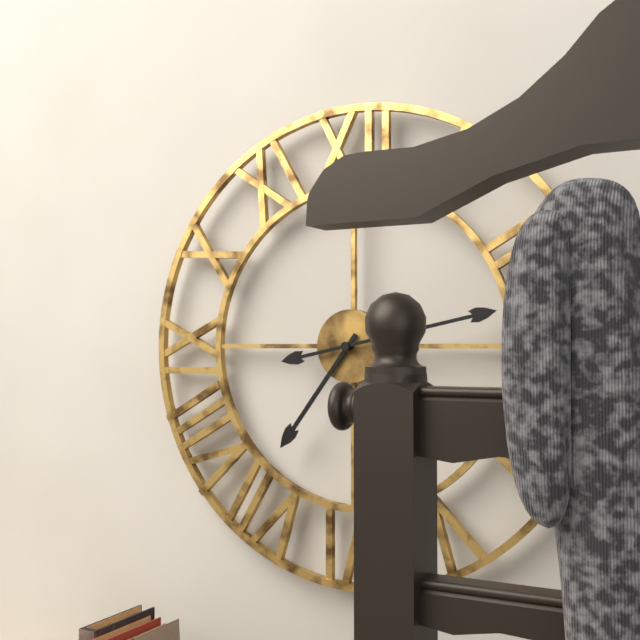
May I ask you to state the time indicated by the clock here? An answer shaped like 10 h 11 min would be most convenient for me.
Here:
7 h 13 min
